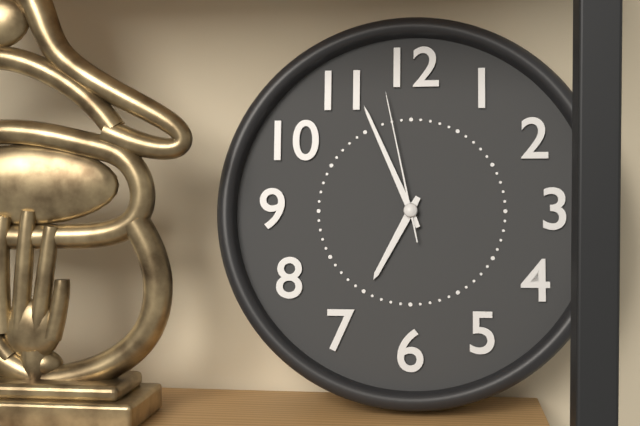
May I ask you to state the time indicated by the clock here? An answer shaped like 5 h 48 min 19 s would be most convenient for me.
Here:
6 h 56 min 58 s
